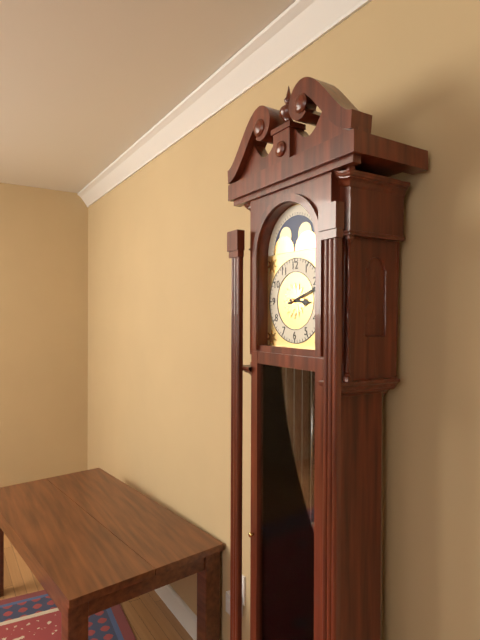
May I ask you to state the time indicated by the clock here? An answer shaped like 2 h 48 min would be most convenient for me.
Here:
3 h 12 min
